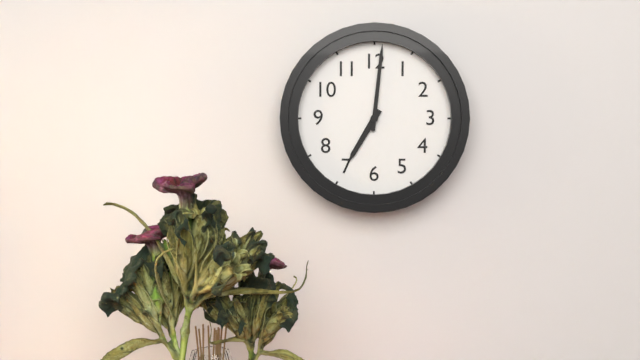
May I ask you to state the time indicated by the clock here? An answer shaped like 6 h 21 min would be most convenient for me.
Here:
7 h 01 min
